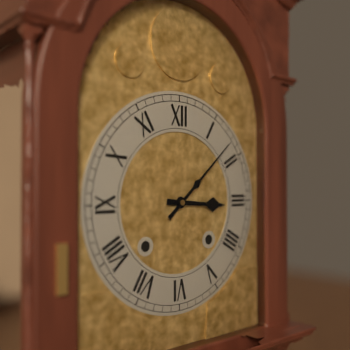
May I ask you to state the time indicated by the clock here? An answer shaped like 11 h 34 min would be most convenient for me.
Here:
3 h 08 min
